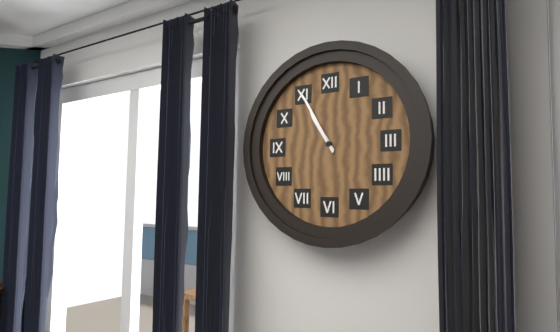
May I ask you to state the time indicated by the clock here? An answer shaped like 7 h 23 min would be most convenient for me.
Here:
10 h 55 min
